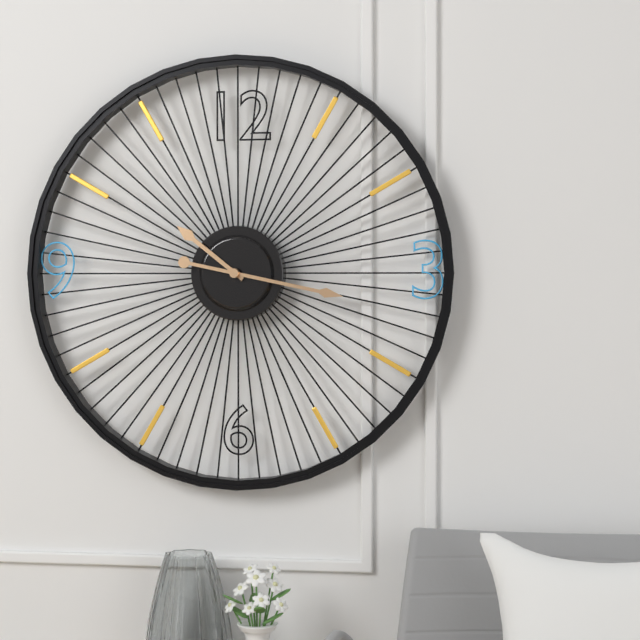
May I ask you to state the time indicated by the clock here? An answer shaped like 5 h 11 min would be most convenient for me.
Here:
10 h 17 min
